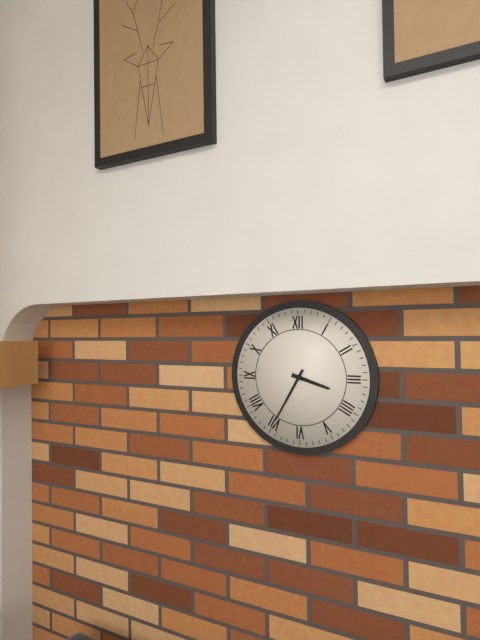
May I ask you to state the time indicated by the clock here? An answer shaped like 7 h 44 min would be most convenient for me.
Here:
3 h 35 min
